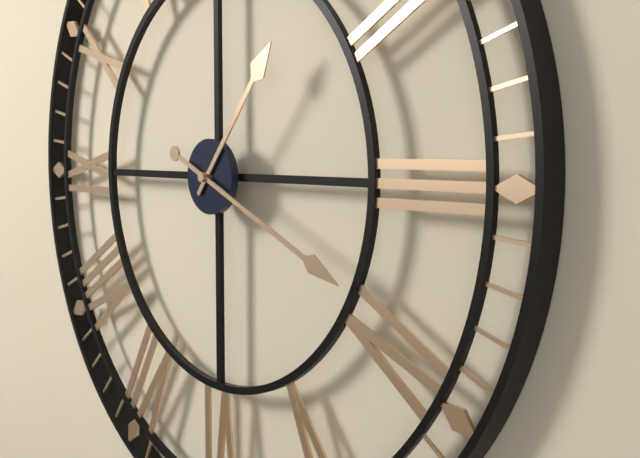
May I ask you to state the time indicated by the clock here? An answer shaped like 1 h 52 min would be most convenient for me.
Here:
1 h 19 min
